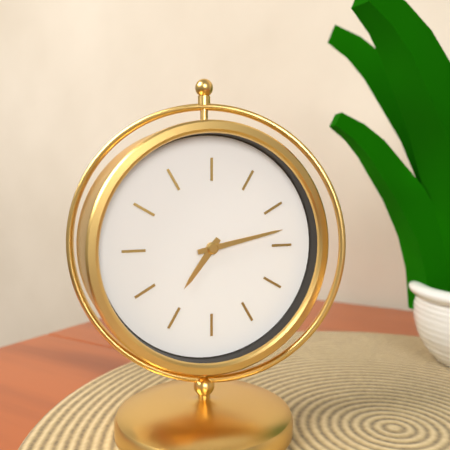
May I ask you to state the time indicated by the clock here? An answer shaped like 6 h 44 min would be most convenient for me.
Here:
7 h 13 min
